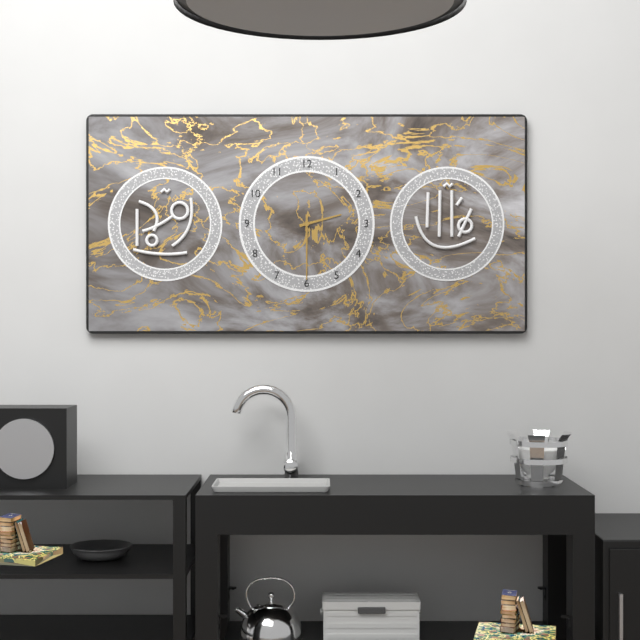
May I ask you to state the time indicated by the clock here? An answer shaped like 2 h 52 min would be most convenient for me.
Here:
2 h 30 min
